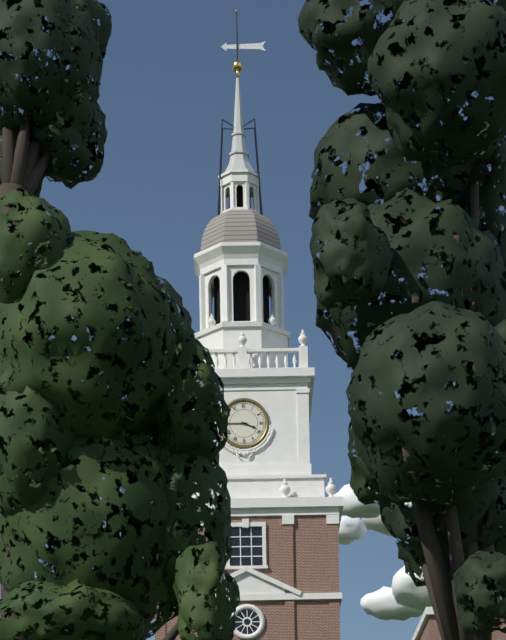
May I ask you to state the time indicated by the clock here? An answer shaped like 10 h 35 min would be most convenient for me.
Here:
3 h 45 min
